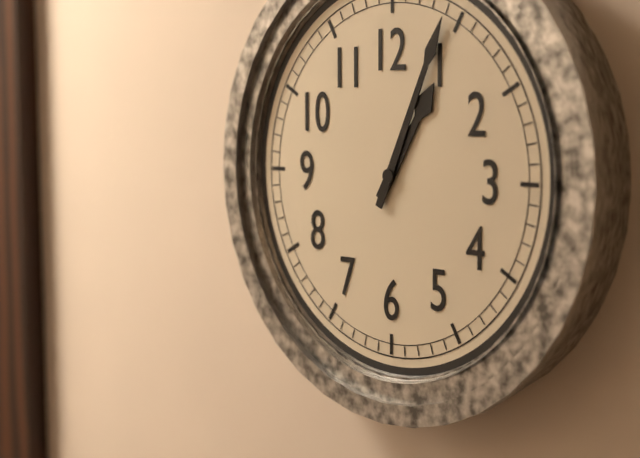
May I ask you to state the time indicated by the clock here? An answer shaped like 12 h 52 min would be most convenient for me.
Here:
1 h 04 min
